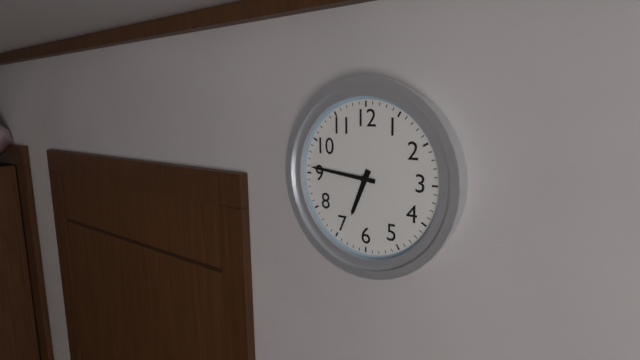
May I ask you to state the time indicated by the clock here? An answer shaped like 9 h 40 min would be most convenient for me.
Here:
6 h 46 min
